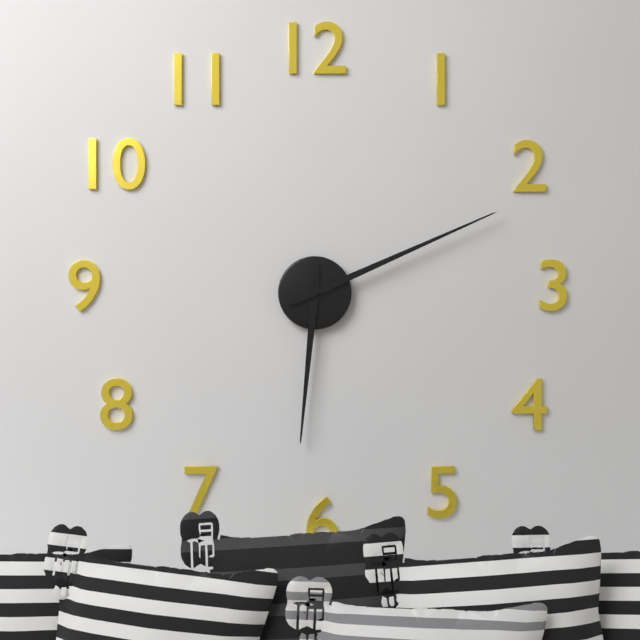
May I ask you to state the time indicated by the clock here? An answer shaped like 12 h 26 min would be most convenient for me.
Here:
6 h 11 min
